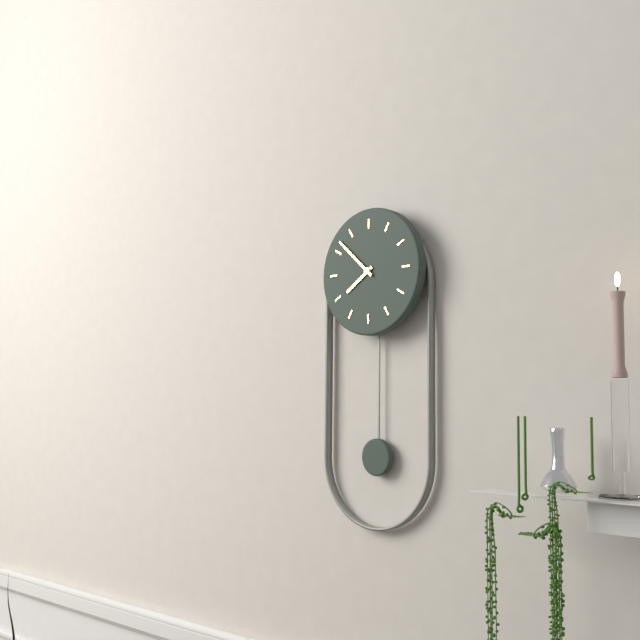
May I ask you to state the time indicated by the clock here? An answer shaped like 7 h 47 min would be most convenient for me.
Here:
7 h 52 min
